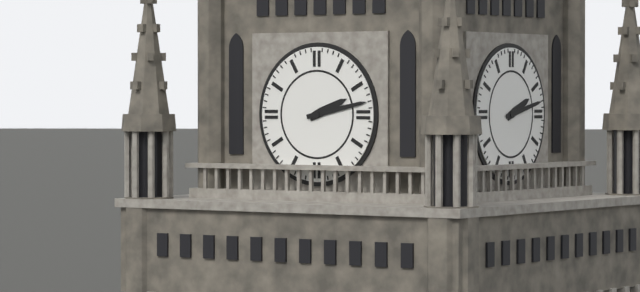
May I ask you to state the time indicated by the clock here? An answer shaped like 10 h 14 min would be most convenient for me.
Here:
2 h 13 min
